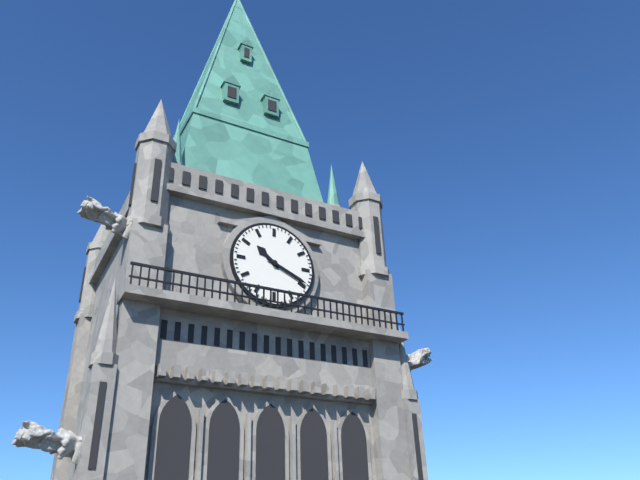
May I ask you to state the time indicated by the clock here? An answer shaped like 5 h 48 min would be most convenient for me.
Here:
10 h 19 min
